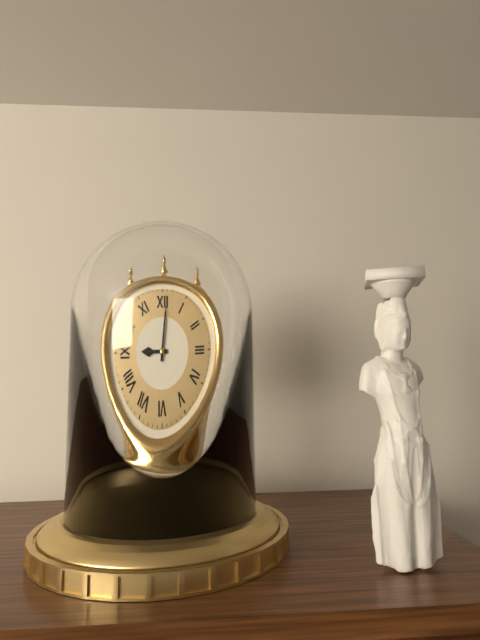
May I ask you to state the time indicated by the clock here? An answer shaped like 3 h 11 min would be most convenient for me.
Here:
9 h 01 min
